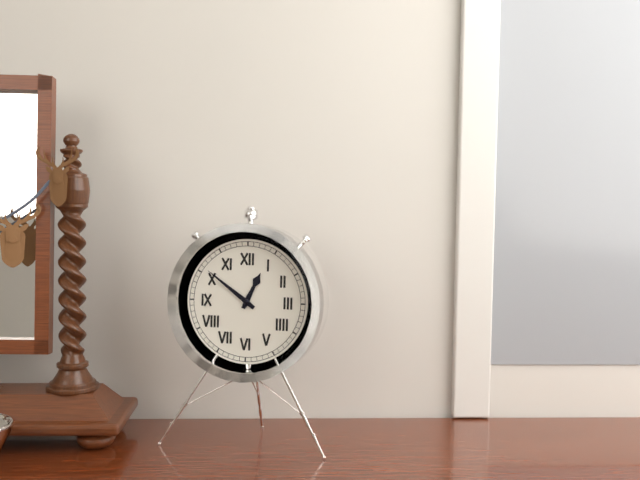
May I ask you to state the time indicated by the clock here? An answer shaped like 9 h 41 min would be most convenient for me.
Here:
12 h 51 min
